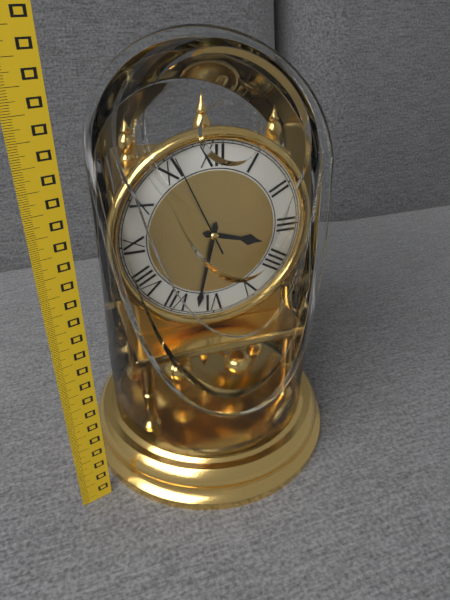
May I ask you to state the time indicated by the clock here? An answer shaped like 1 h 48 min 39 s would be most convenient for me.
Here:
3 h 32 min 56 s
